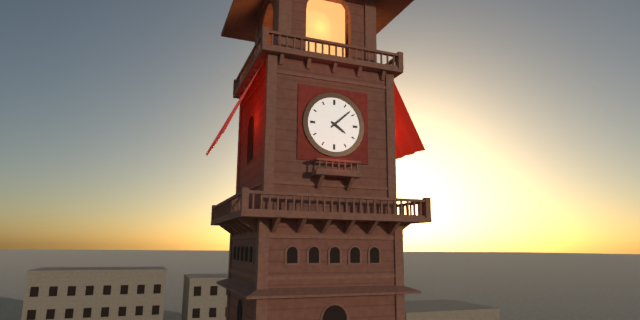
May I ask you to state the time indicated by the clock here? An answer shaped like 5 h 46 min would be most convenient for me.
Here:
4 h 08 min
